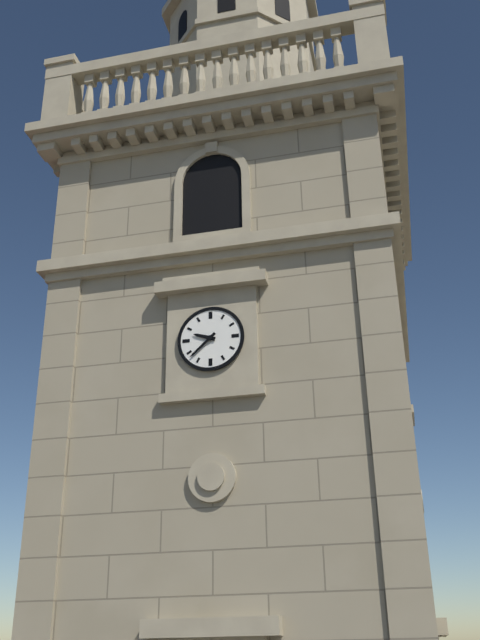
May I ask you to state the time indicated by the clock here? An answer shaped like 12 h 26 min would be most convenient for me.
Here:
9 h 38 min
